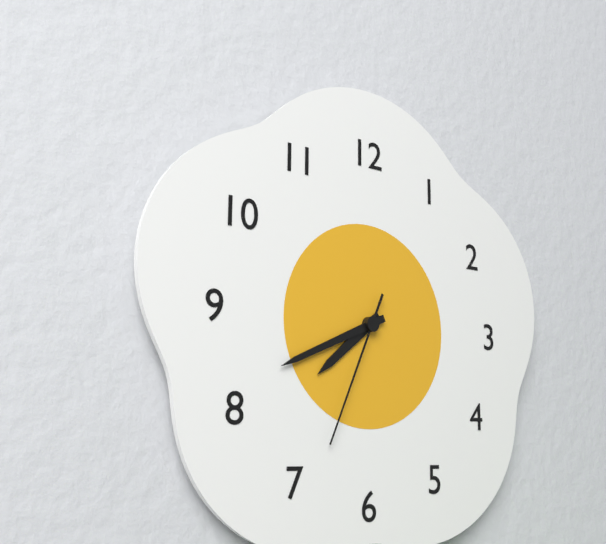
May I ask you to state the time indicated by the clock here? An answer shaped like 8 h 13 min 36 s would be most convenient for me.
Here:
7 h 41 min 34 s
